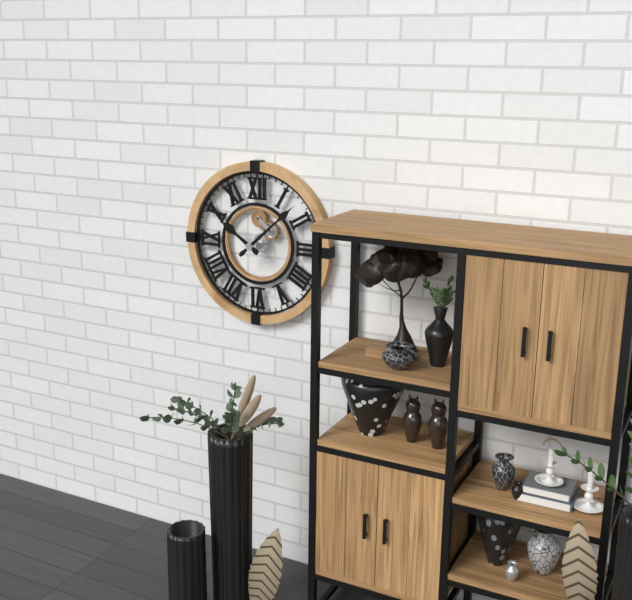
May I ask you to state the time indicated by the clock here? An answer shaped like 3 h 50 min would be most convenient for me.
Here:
10 h 08 min
